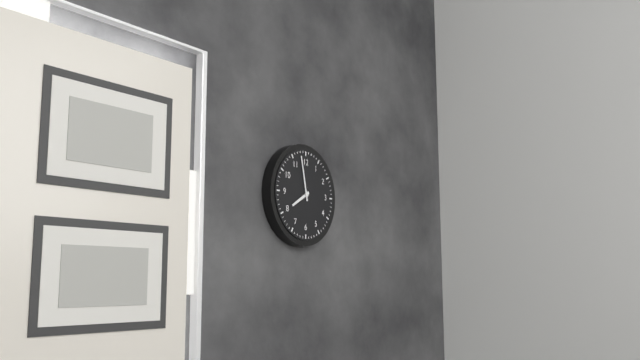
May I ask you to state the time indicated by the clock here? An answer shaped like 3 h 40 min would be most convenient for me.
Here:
7 h 58 min
